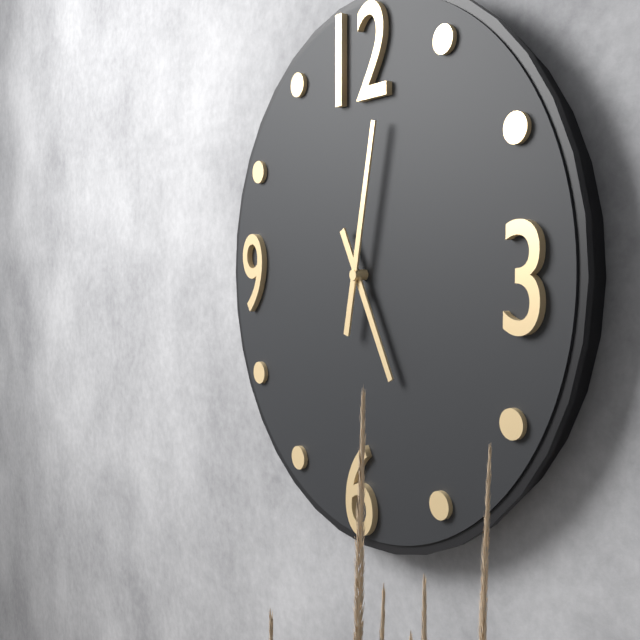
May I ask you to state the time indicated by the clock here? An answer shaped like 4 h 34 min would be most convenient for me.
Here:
5 h 02 min
